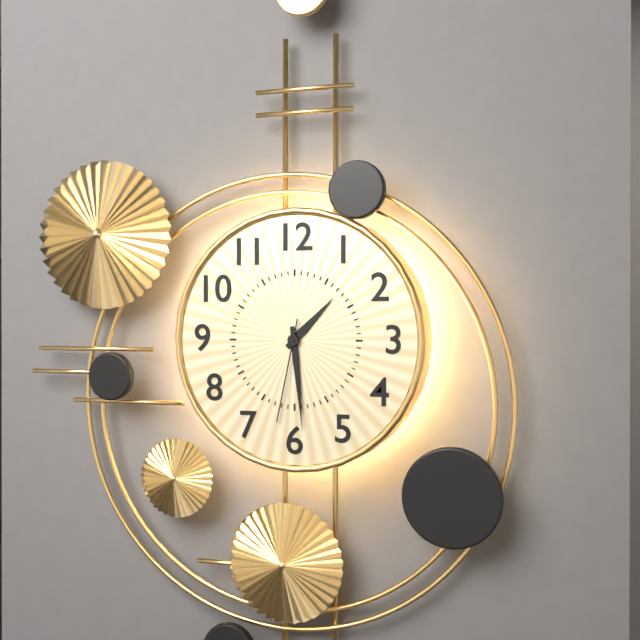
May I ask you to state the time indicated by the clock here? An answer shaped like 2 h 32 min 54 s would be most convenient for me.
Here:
1 h 29 min 32 s
